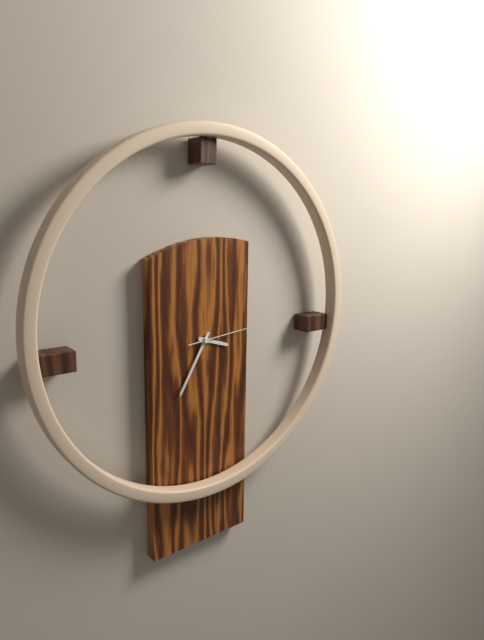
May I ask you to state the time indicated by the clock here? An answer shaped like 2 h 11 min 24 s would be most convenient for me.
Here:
3 h 35 min 14 s
